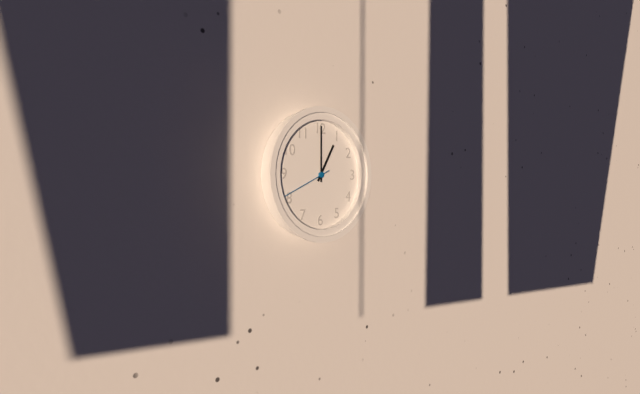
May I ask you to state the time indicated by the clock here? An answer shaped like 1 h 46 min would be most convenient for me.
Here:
1 h 00 min
